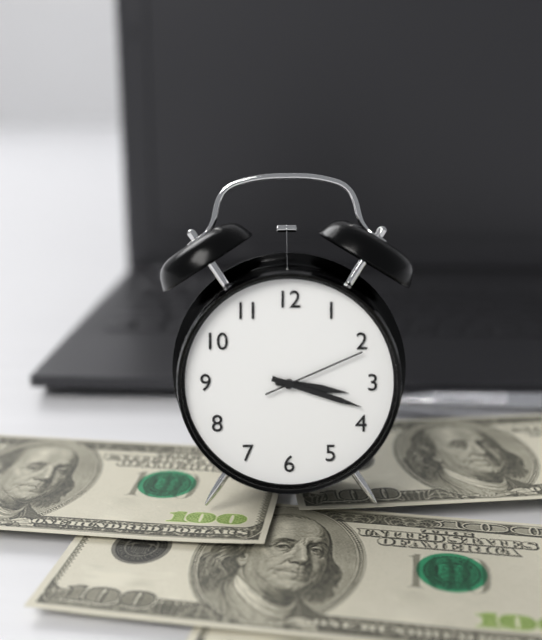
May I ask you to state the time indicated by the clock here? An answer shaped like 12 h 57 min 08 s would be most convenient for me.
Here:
3 h 18 min 11 s
